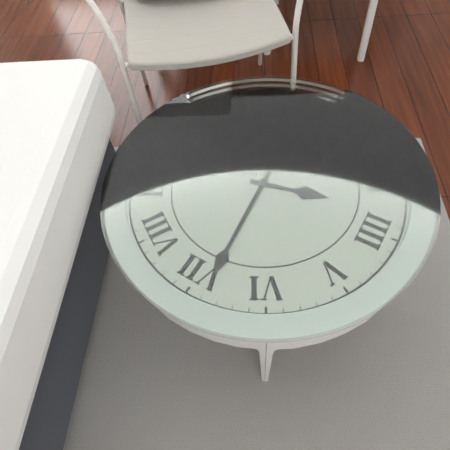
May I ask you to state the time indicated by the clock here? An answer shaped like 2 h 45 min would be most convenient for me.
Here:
3 h 34 min
